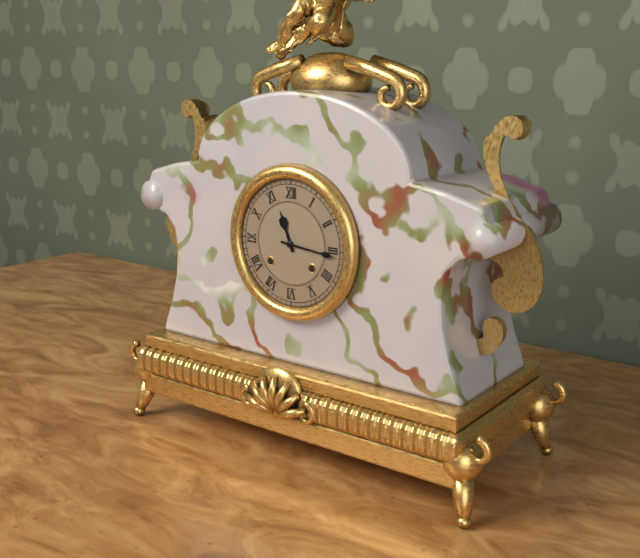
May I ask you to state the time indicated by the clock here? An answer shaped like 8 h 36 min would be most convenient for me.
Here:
11 h 16 min
